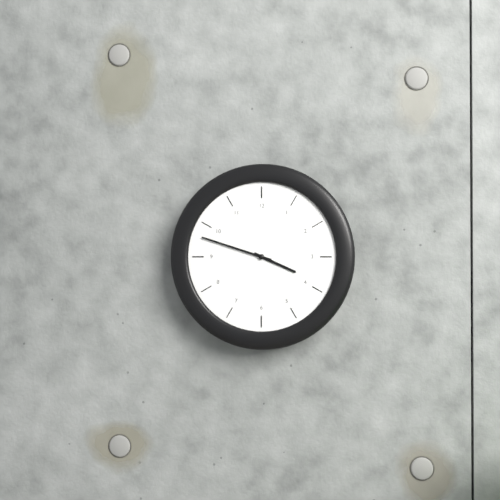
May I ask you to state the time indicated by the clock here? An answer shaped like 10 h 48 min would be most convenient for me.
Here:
3 h 48 min
